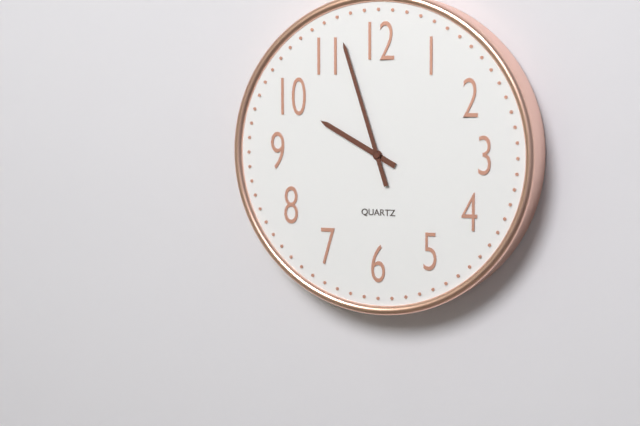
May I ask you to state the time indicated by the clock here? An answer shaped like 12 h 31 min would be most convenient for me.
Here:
9 h 57 min
